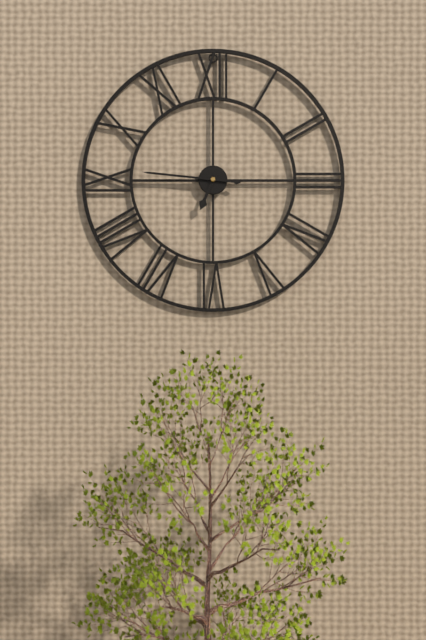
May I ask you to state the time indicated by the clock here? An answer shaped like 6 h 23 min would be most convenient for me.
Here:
6 h 46 min
